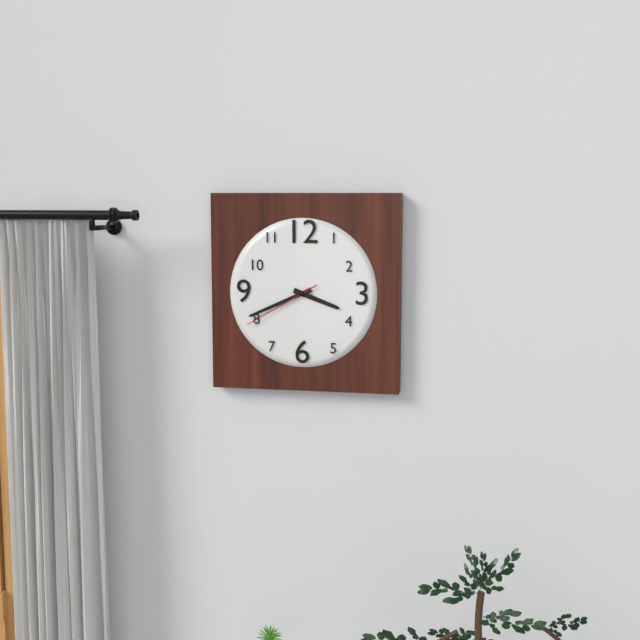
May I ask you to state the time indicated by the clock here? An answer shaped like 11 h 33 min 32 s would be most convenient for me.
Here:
3 h 41 min 40 s
